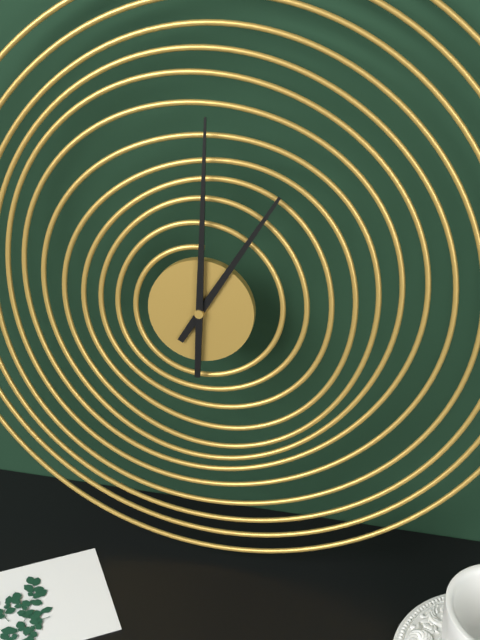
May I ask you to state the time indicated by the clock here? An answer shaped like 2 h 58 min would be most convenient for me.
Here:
1 h 00 min
